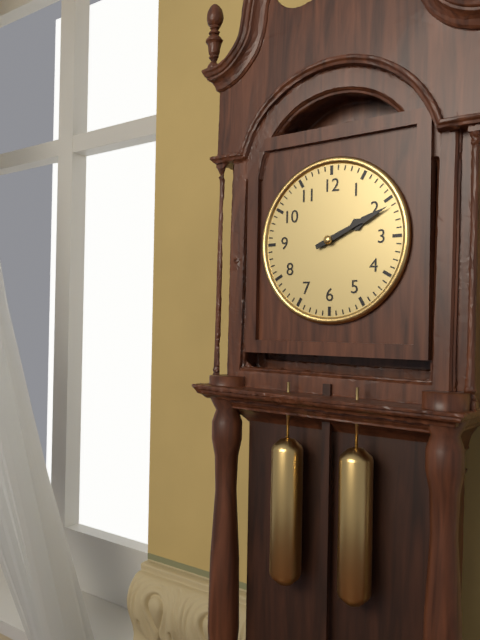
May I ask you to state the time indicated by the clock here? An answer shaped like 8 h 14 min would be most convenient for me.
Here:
2 h 11 min
